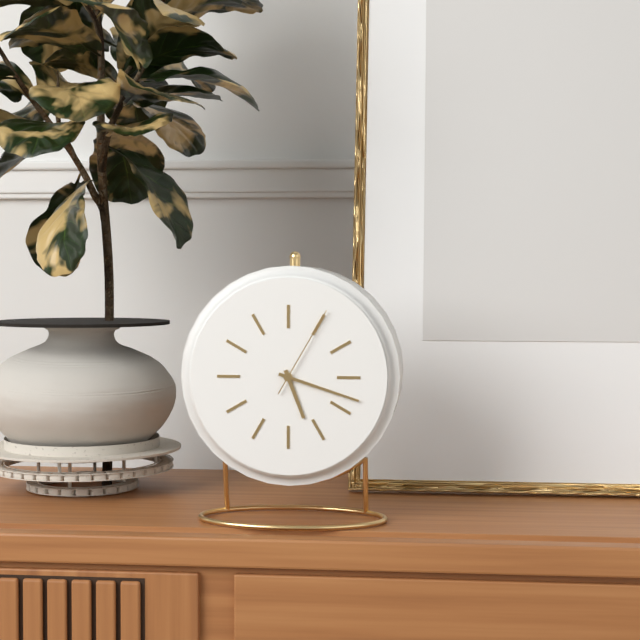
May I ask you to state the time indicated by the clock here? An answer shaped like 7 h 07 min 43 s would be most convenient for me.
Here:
5 h 18 min 05 s
